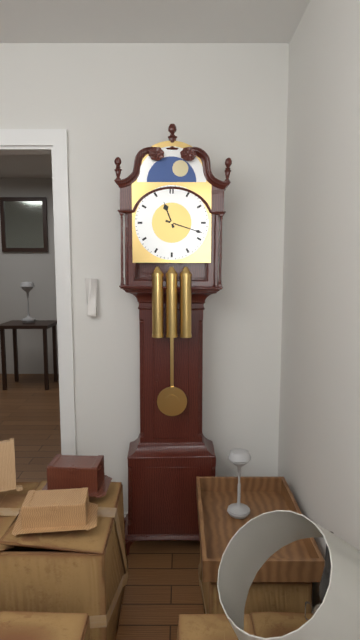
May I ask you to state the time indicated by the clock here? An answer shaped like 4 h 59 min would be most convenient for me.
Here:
11 h 18 min
